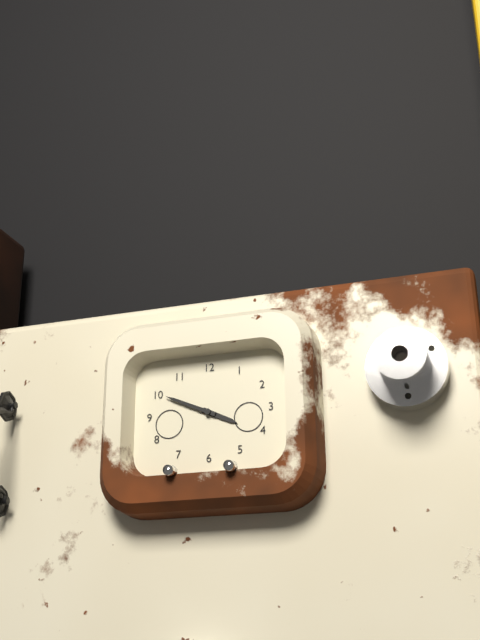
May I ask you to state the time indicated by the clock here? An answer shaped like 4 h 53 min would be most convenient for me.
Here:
3 h 49 min
